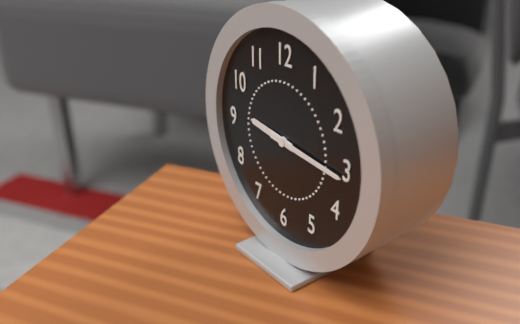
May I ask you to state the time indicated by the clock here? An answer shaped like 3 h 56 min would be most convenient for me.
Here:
9 h 16 min
